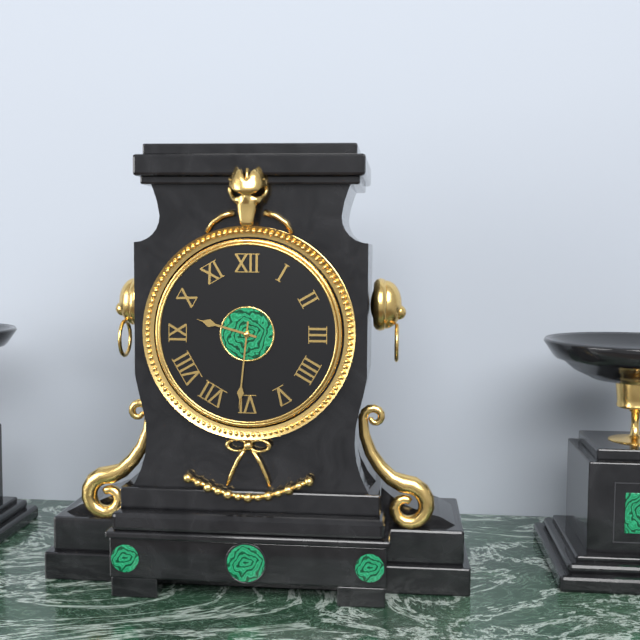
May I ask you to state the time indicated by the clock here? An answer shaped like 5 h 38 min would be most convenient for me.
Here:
9 h 31 min
